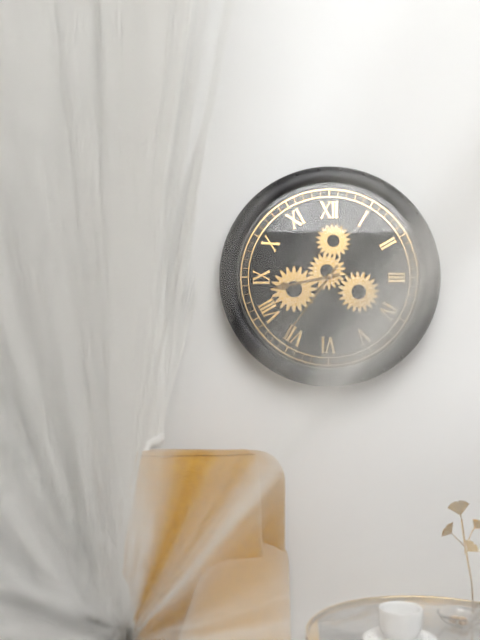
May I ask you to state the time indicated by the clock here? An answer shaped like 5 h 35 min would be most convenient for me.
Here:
8 h 36 min
